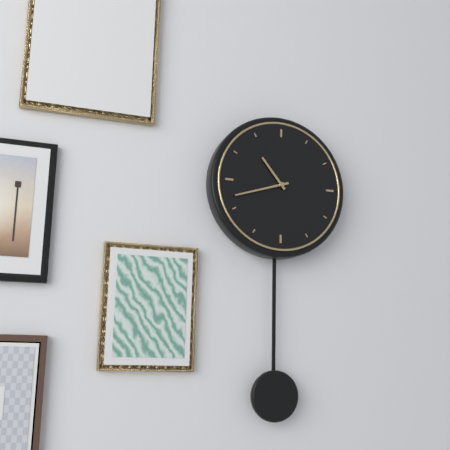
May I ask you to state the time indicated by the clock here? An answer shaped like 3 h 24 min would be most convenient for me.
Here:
10 h 42 min
